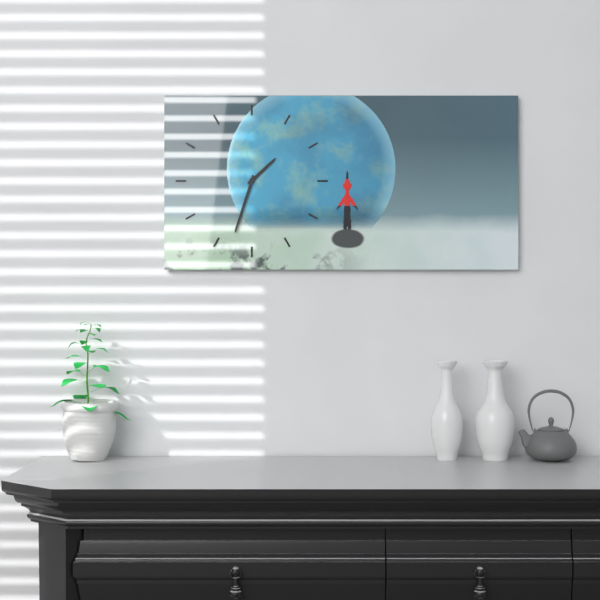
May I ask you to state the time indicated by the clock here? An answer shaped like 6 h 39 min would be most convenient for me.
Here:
1 h 33 min
